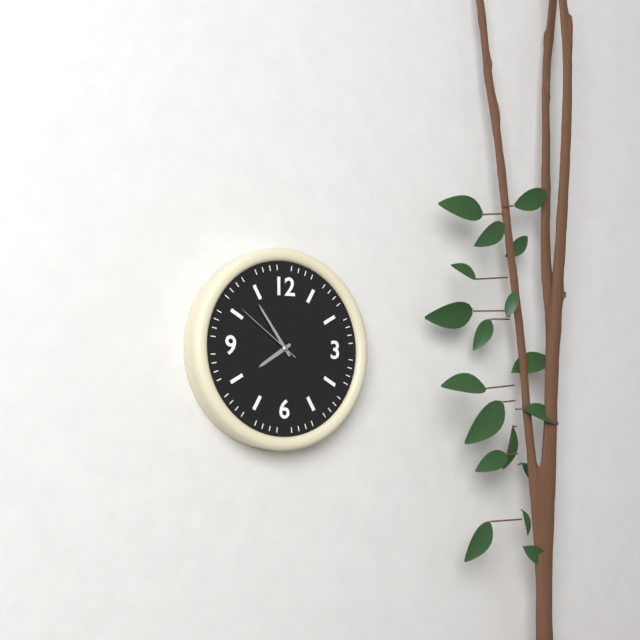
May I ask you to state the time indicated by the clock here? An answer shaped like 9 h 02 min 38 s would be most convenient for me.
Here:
7 h 54 min 51 s
